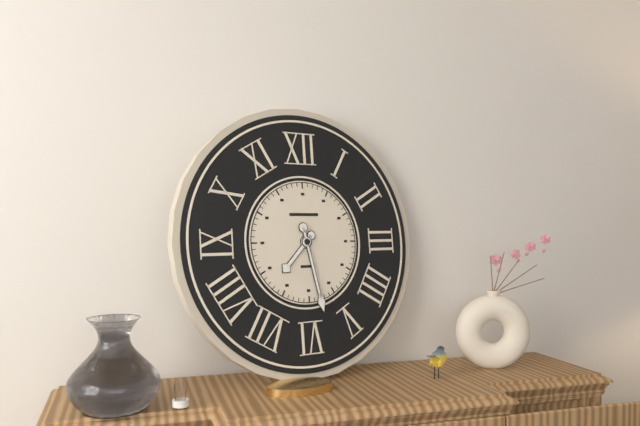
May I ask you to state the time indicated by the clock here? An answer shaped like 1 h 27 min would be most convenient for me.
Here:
7 h 28 min
